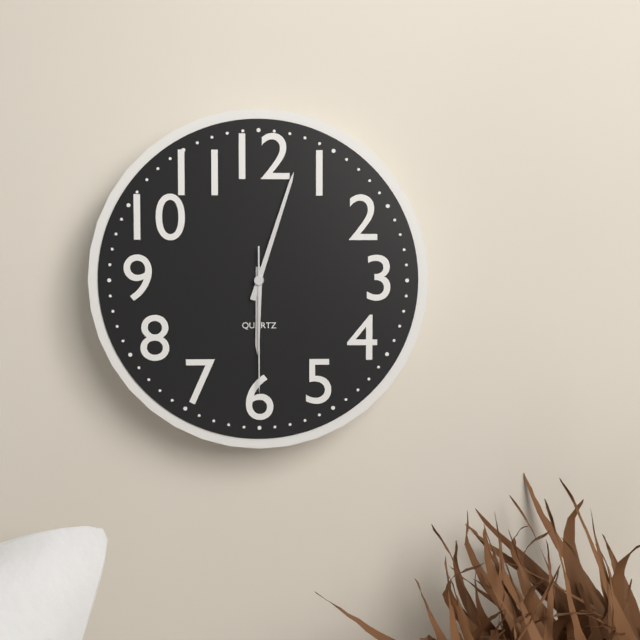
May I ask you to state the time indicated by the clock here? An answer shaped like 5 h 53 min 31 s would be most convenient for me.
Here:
6 h 03 min 30 s
